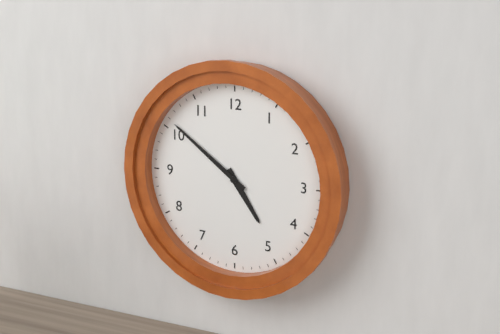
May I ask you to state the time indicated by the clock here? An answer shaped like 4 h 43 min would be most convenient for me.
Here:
4 h 51 min
